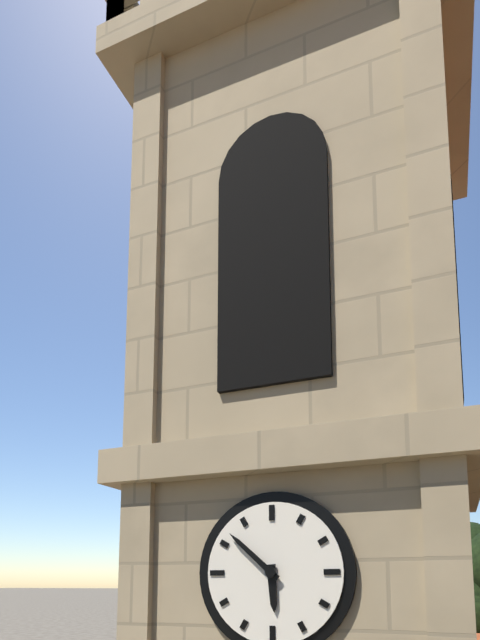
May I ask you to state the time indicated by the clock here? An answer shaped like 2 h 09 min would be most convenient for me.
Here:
5 h 52 min
